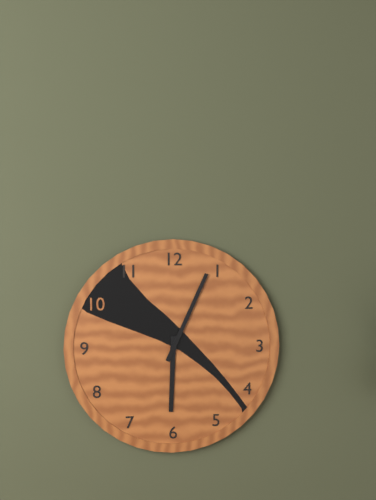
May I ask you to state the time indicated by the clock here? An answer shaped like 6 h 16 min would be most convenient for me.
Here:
6 h 04 min
